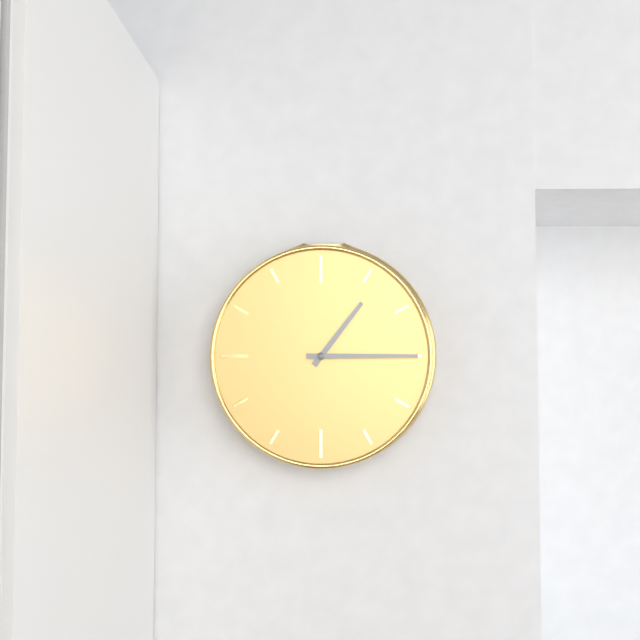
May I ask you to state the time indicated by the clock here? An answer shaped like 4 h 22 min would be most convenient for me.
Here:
1 h 15 min
